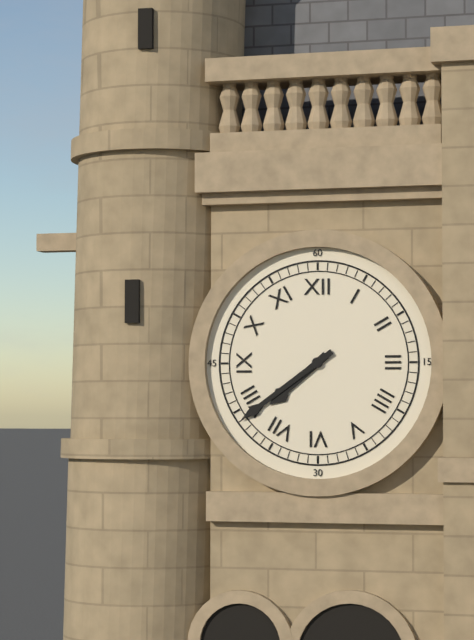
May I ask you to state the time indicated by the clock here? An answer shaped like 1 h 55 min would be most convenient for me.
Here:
7 h 39 min
